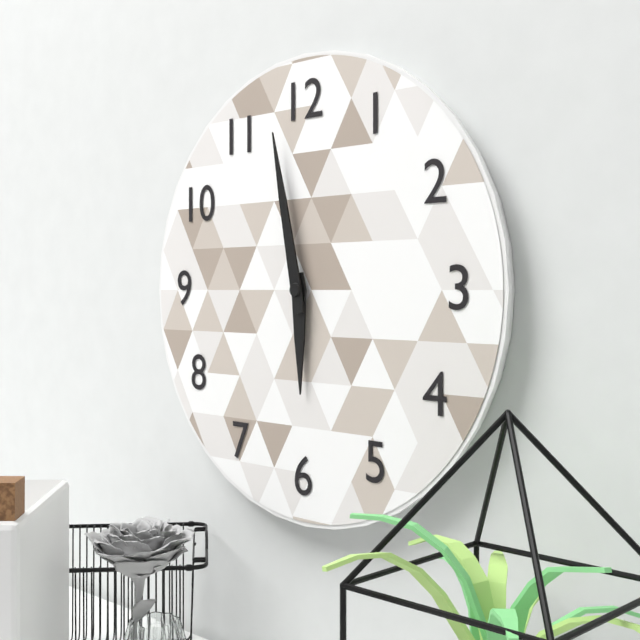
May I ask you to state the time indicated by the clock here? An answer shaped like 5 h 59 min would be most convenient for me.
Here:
5 h 58 min
